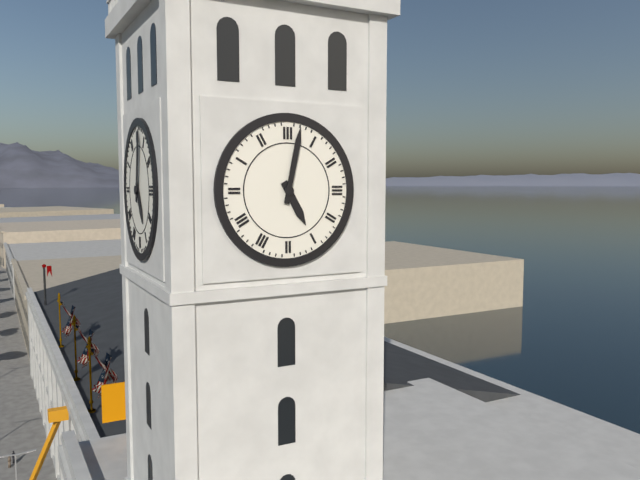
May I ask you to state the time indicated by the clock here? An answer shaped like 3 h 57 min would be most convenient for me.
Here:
5 h 02 min
